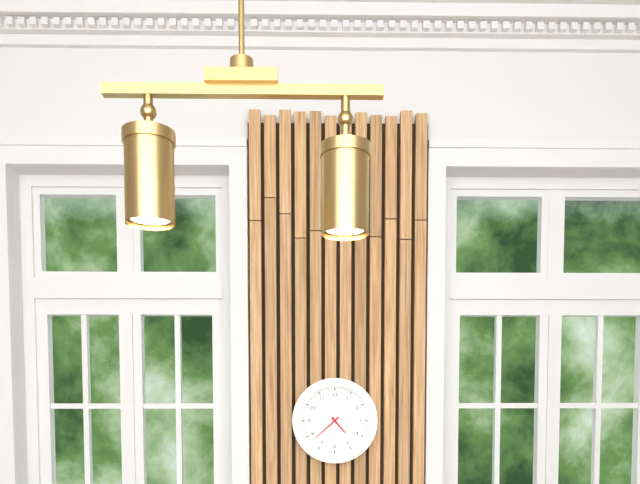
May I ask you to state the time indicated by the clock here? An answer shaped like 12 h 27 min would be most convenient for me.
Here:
4 h 38 min
